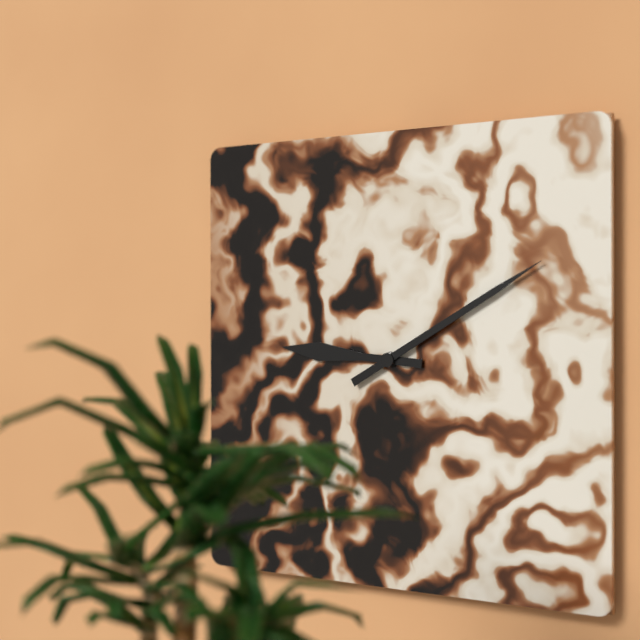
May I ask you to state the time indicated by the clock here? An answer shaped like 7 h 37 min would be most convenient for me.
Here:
9 h 10 min
